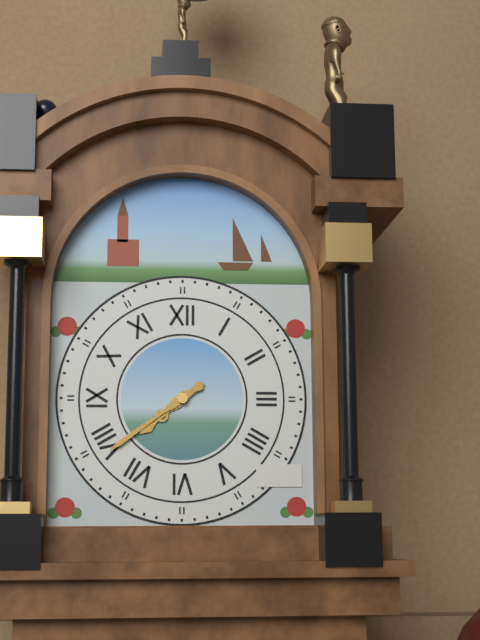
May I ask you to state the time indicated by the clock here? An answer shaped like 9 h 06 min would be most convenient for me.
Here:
7 h 39 min
